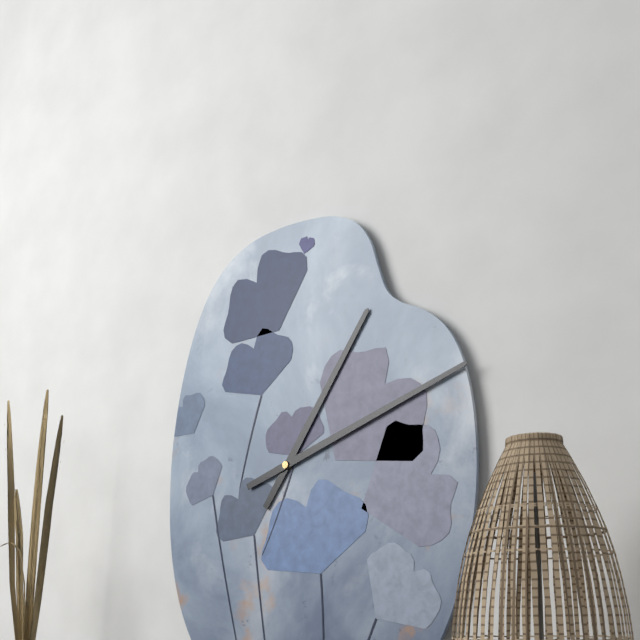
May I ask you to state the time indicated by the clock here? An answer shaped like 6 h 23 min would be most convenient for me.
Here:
1 h 12 min
